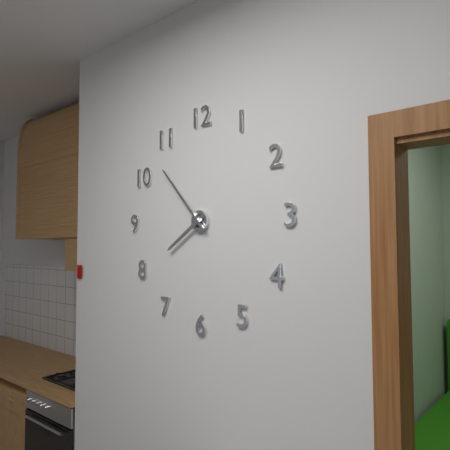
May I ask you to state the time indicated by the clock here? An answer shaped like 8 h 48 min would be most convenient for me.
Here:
7 h 53 min
